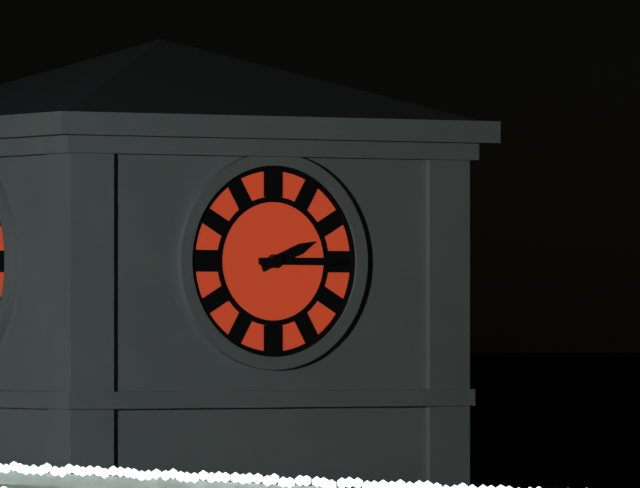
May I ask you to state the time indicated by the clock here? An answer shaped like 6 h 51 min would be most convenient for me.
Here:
2 h 15 min
